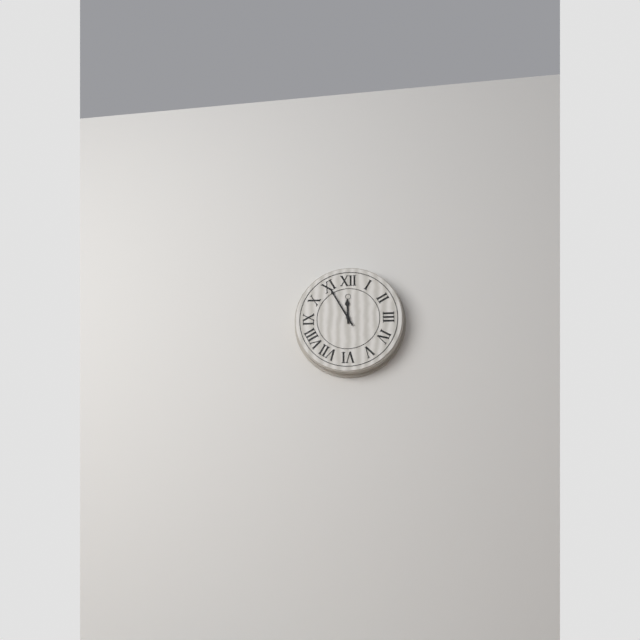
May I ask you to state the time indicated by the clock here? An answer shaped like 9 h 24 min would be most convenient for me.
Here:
11 h 55 min
